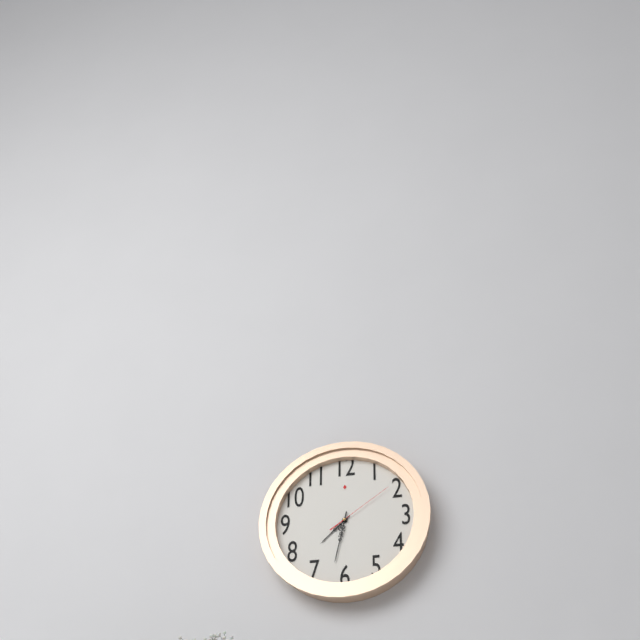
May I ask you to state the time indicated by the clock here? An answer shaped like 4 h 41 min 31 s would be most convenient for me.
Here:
7 h 32 min 09 s
